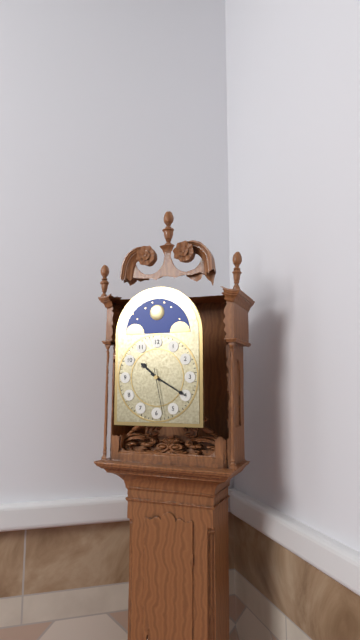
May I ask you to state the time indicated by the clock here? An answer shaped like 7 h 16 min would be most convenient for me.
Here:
10 h 20 min
